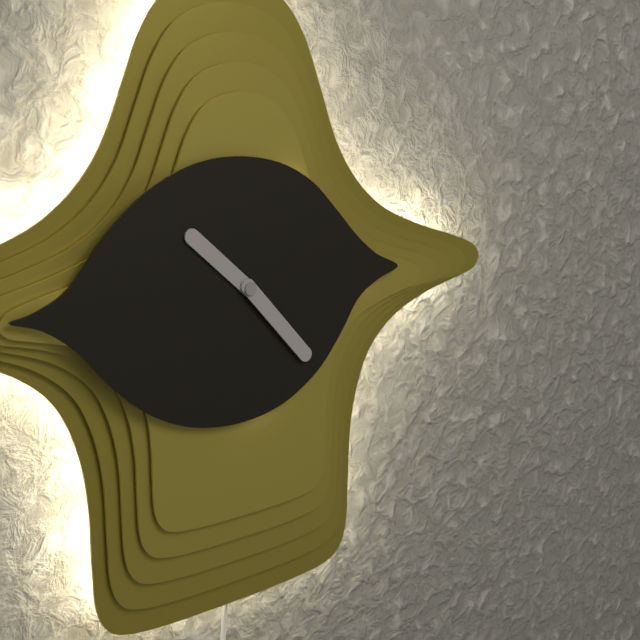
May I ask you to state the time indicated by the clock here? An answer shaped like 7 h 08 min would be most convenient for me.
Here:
10 h 23 min
